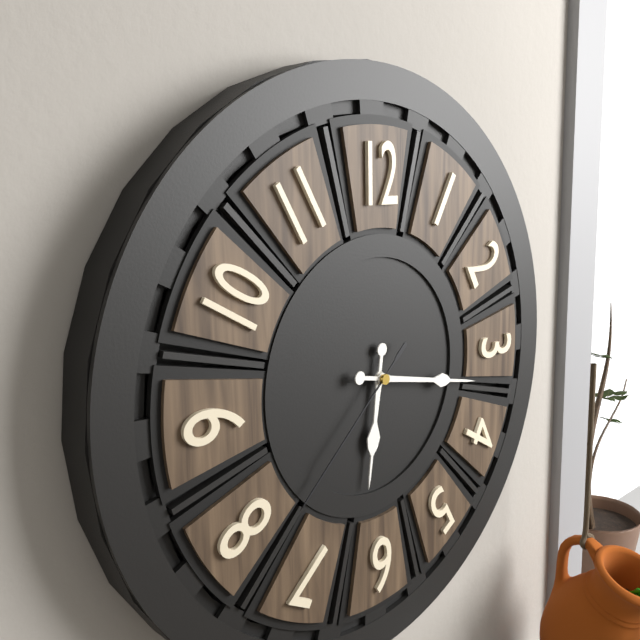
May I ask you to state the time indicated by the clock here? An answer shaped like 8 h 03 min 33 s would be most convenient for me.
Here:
6 h 17 min 38 s
